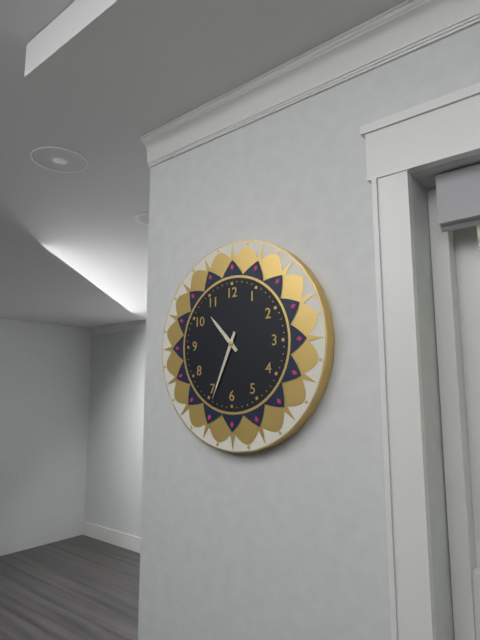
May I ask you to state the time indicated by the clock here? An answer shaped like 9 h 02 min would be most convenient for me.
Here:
10 h 34 min
